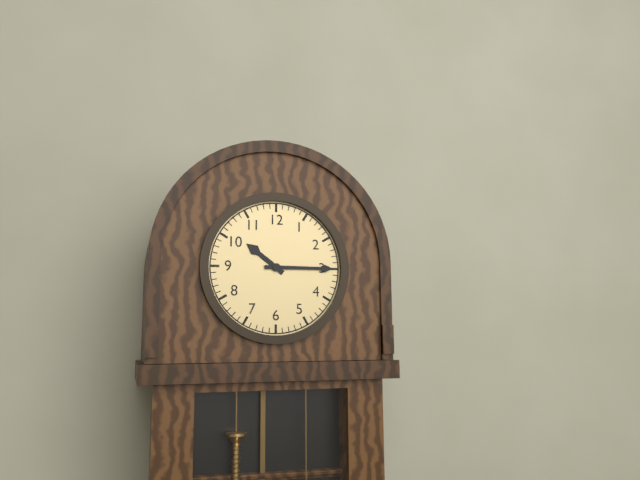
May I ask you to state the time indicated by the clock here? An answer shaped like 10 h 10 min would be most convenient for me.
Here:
10 h 15 min
